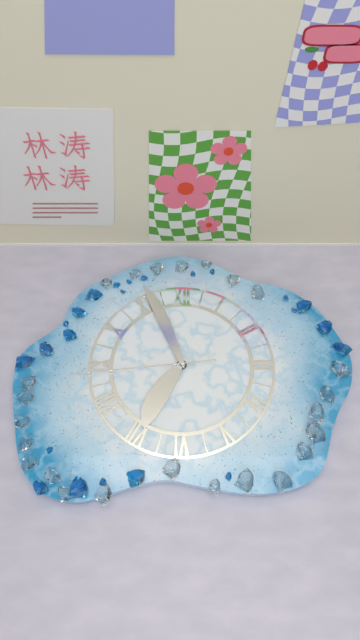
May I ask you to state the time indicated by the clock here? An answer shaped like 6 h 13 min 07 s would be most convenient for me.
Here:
6 h 56 min 44 s
